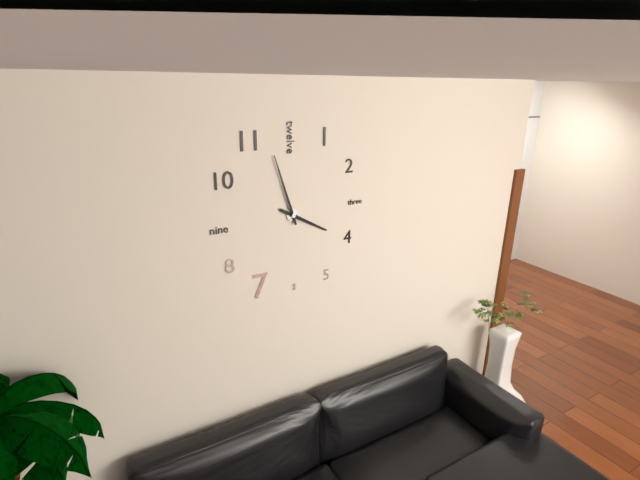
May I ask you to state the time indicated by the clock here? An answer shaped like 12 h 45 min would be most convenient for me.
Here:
3 h 57 min
